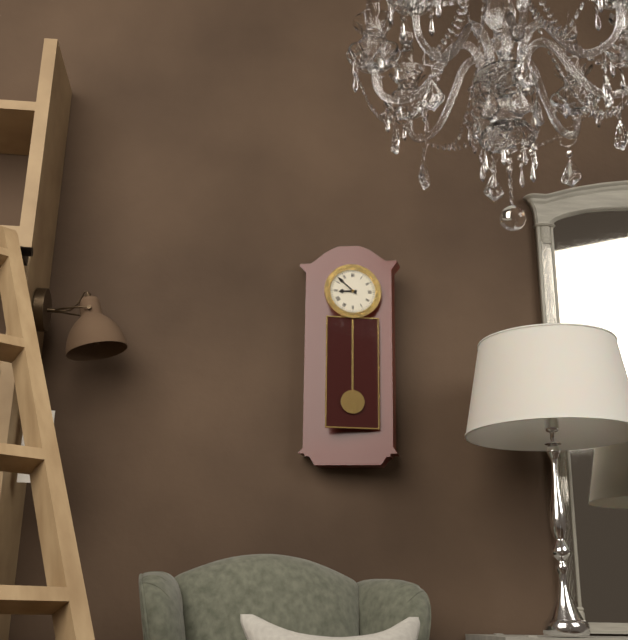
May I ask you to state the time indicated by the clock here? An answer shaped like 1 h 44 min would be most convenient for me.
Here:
8 h 52 min
